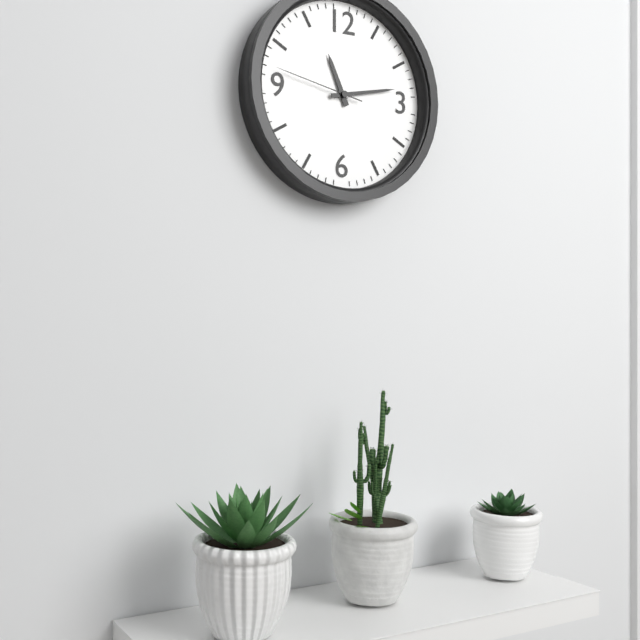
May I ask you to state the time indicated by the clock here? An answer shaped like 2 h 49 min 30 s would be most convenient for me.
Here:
11 h 13 min 47 s
